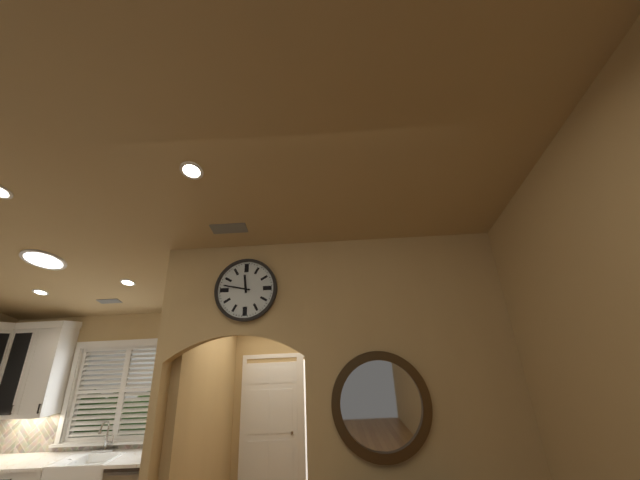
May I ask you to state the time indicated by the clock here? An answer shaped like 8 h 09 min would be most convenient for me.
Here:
11 h 47 min
